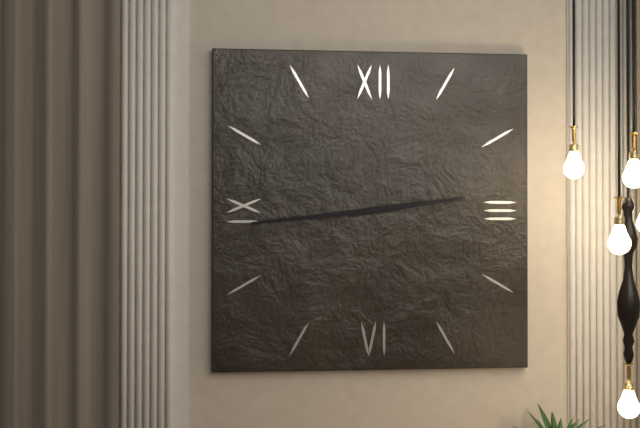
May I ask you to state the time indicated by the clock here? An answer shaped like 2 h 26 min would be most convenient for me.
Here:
2 h 44 min
